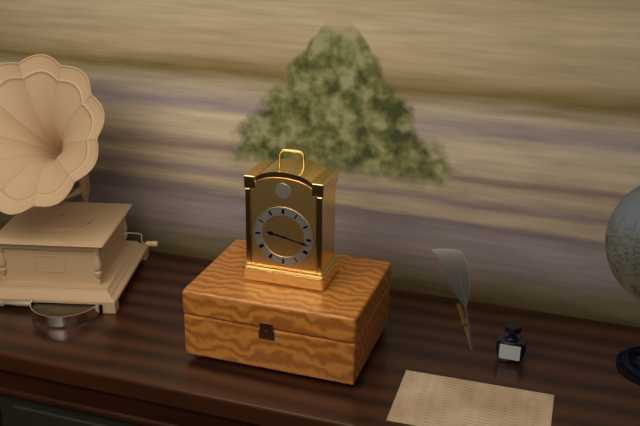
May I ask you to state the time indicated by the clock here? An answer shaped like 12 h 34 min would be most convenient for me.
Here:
9 h 17 min
